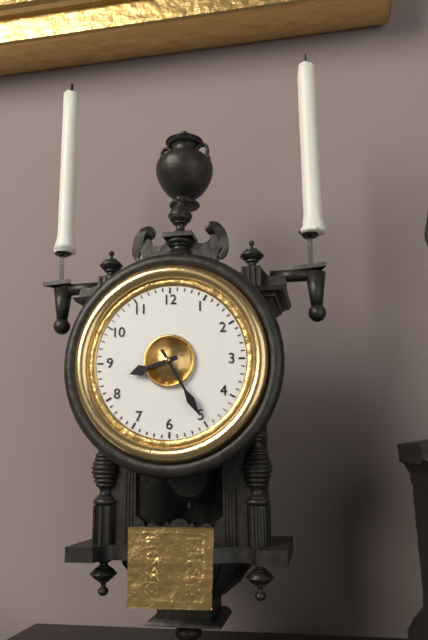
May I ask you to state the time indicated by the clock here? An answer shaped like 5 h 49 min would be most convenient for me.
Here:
8 h 25 min
